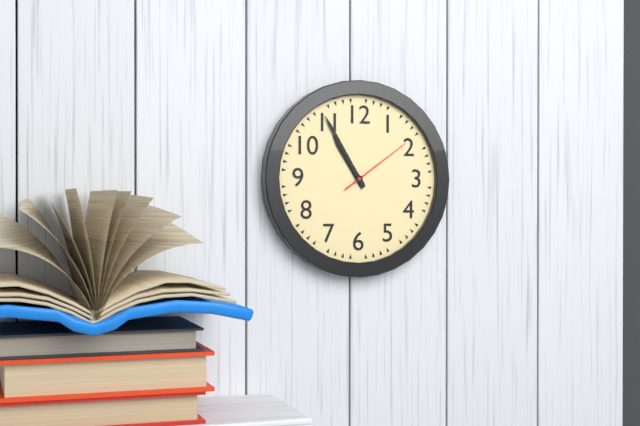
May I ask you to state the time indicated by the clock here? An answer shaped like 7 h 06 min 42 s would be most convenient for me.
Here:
10 h 55 min 09 s
